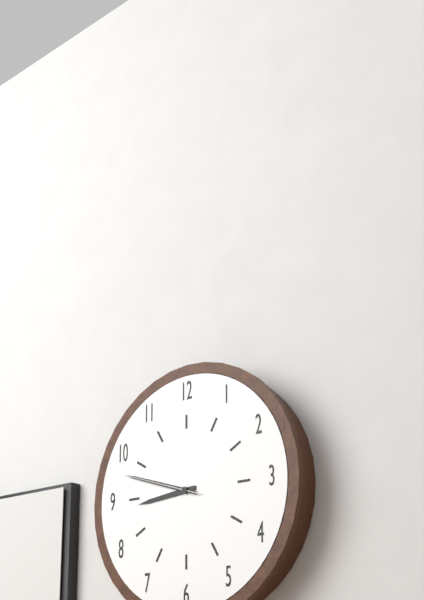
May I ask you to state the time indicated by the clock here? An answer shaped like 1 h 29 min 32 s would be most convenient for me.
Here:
8 h 48 min 48 s
